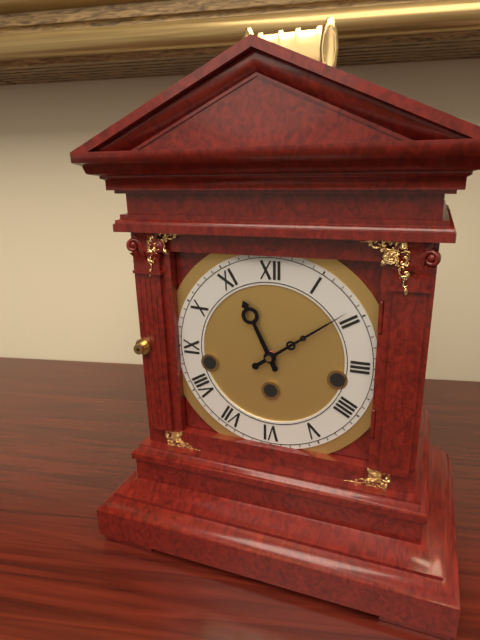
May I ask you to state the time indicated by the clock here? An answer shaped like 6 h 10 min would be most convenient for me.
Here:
11 h 09 min
